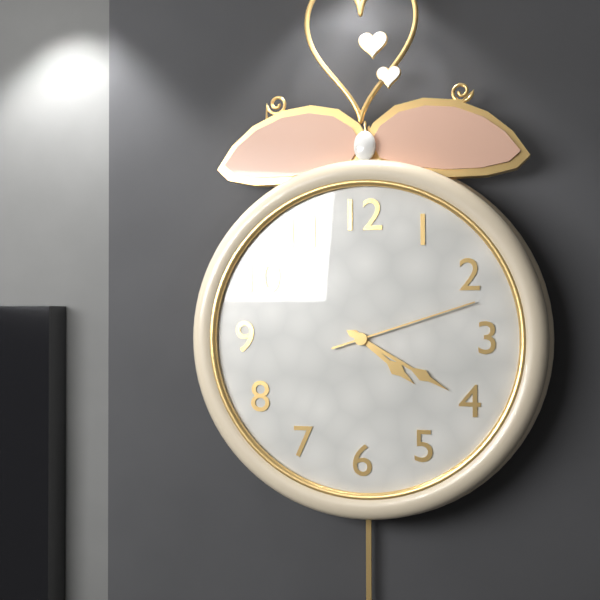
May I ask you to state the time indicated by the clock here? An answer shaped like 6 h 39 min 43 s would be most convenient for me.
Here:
4 h 20 min 12 s
